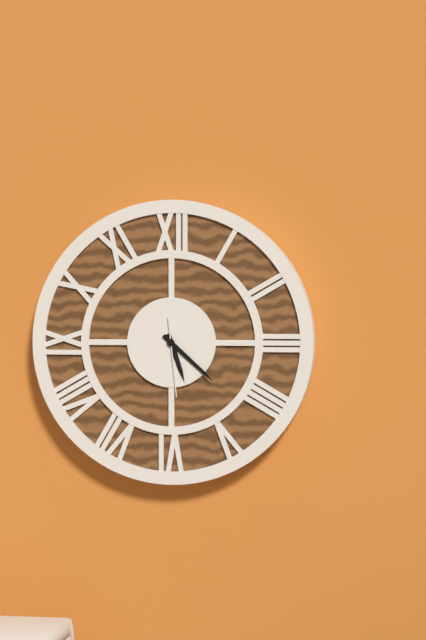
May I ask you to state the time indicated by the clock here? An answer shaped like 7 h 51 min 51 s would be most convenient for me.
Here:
5 h 22 min 29 s
